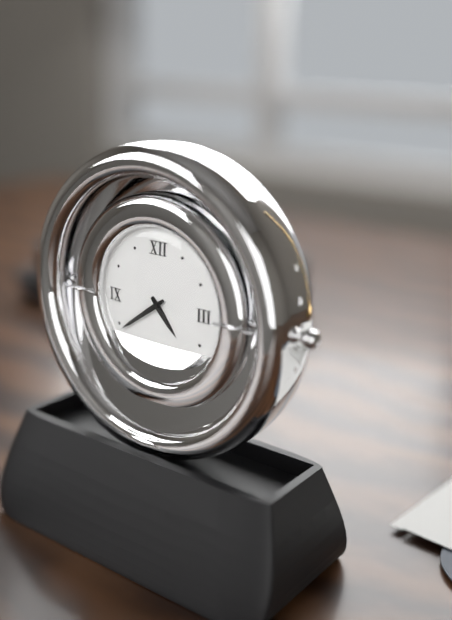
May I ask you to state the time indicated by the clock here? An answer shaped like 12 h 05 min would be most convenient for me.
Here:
4 h 39 min
